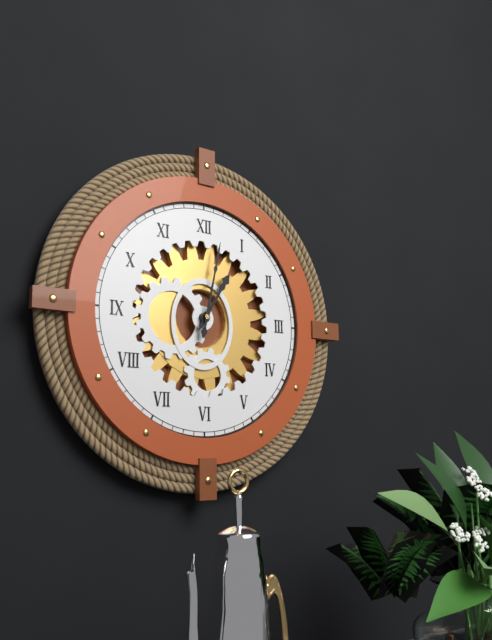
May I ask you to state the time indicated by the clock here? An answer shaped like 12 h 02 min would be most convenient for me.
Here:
1 h 02 min
